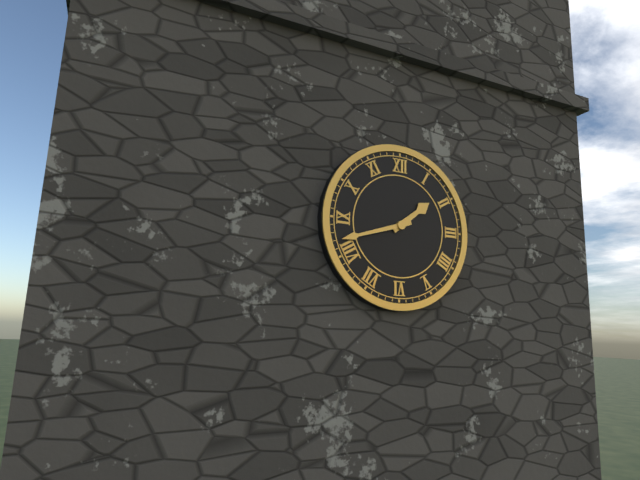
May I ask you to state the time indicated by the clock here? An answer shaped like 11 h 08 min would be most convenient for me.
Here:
1 h 42 min
